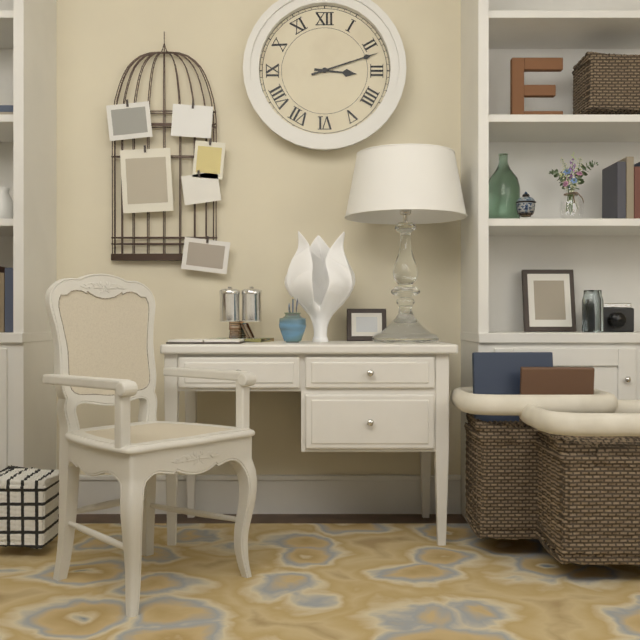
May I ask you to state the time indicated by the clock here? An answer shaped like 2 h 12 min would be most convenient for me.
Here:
3 h 12 min
